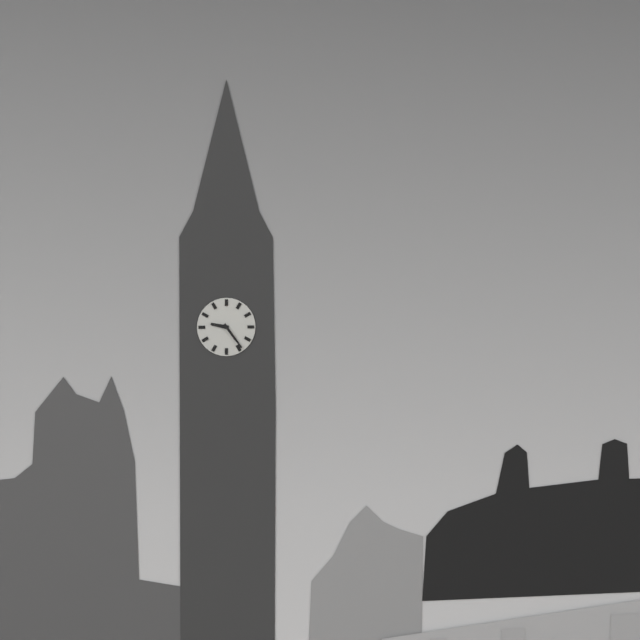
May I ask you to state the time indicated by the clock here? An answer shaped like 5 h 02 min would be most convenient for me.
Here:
9 h 24 min
